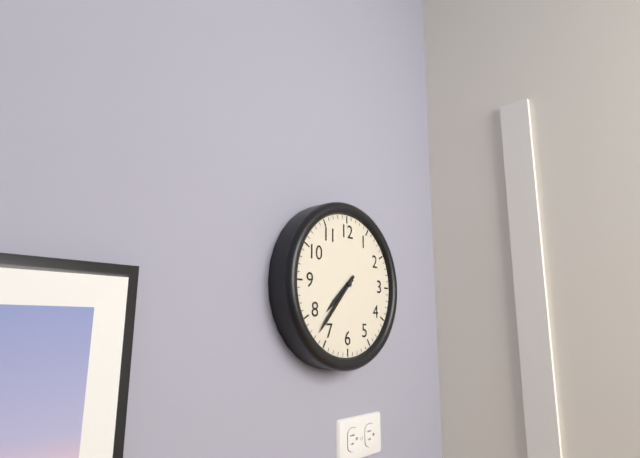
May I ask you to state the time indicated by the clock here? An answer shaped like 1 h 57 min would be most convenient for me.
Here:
7 h 37 min
